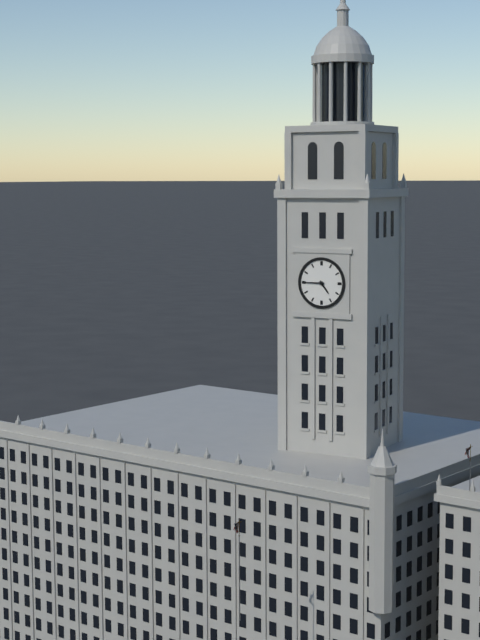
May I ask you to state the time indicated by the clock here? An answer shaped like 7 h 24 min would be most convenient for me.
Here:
4 h 45 min
